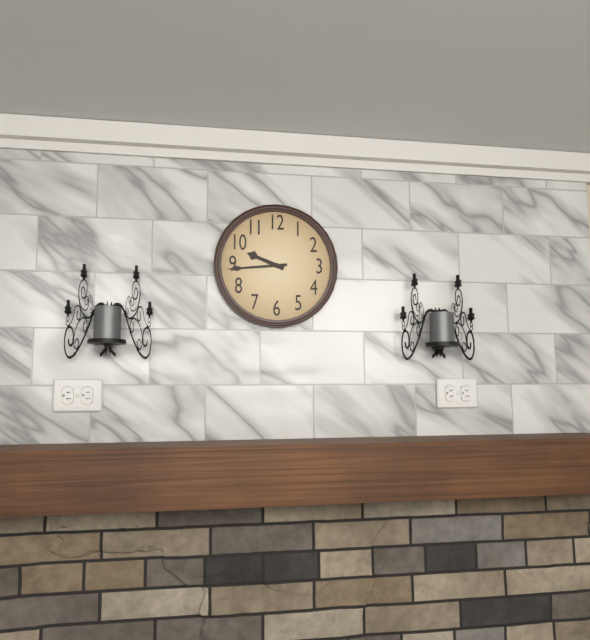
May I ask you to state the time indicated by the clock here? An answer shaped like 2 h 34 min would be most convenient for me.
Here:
9 h 44 min
